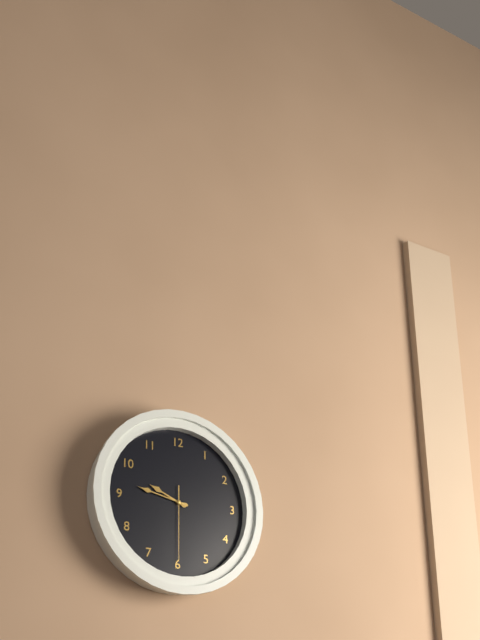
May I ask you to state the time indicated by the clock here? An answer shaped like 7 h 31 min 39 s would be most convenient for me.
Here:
9 h 47 min 30 s
